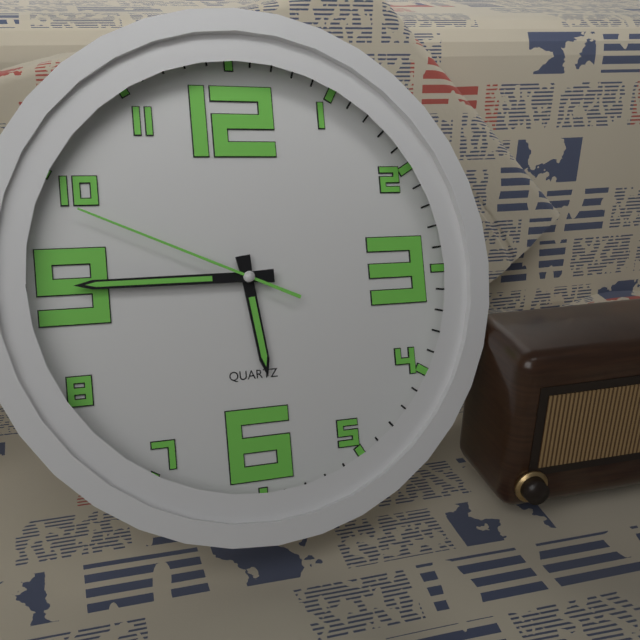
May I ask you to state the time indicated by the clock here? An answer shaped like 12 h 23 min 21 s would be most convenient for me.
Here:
5 h 45 min 49 s
